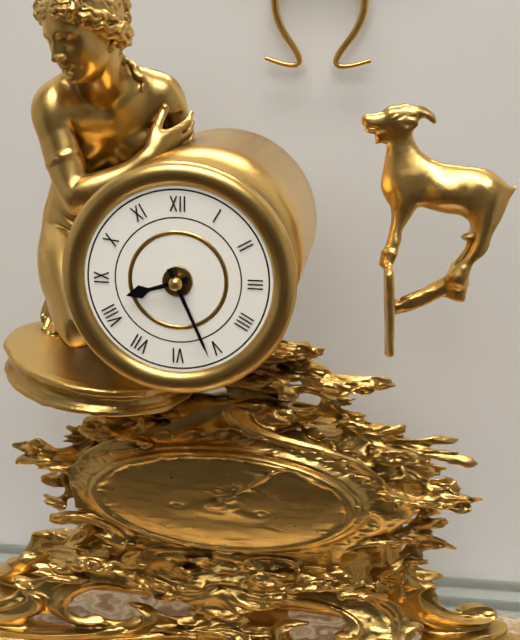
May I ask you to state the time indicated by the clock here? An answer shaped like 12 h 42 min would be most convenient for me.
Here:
8 h 26 min
